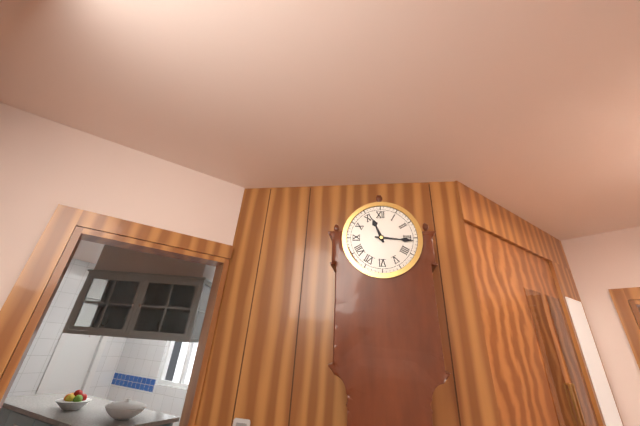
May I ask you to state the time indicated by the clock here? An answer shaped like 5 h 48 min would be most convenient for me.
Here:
11 h 16 min
